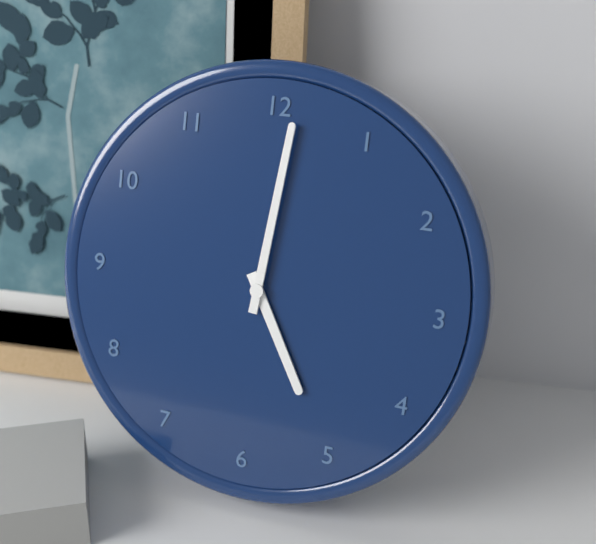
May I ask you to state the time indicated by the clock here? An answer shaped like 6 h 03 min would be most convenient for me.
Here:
5 h 01 min
